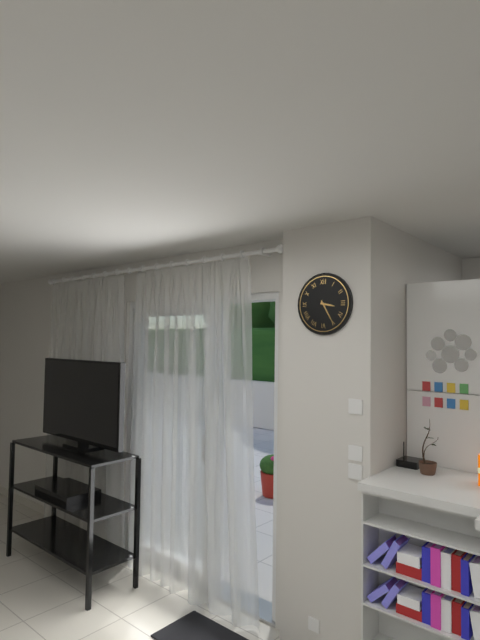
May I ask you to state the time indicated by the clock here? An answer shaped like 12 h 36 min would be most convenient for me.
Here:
3 h 25 min
